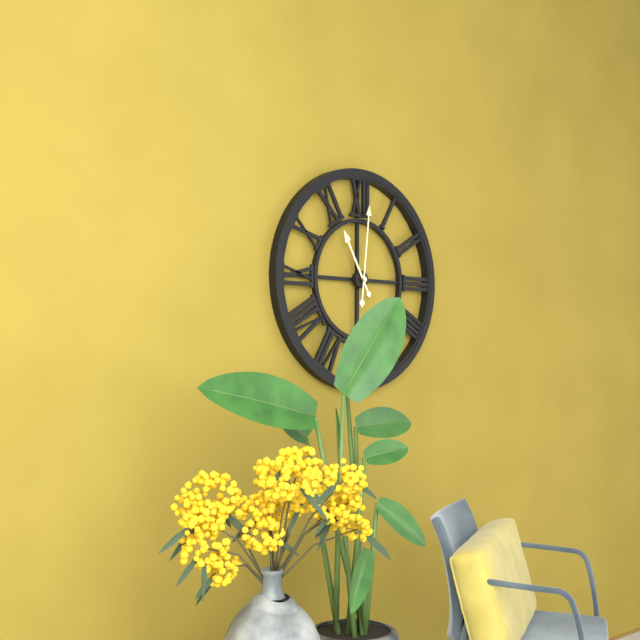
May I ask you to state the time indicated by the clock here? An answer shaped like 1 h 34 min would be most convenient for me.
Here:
11 h 01 min
